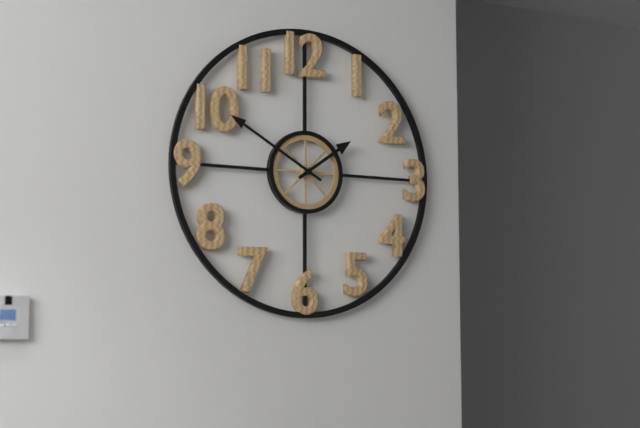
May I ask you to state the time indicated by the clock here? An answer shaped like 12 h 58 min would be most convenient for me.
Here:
1 h 50 min
